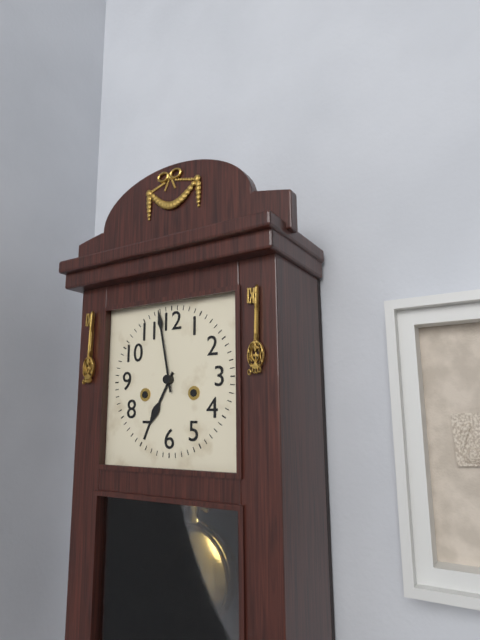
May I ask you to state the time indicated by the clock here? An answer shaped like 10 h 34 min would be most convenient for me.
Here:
6 h 58 min
